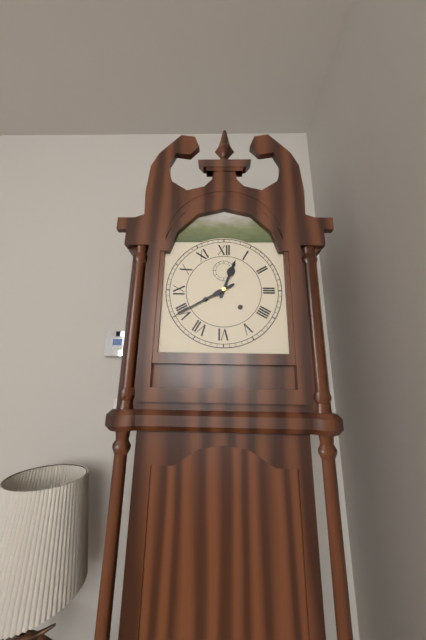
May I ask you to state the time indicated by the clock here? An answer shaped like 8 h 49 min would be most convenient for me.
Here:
12 h 40 min
